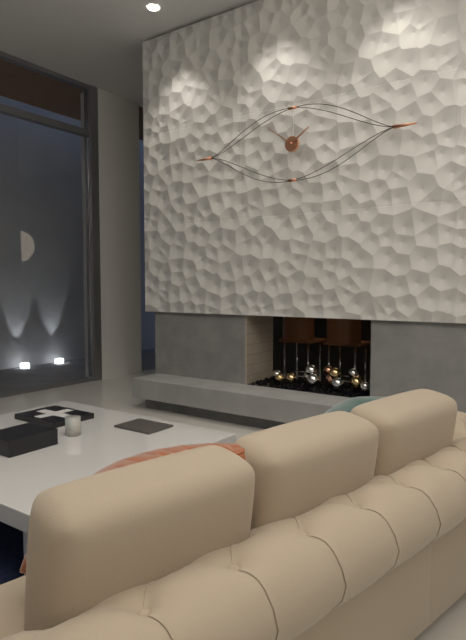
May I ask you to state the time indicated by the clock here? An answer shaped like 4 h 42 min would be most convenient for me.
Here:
1 h 51 min
